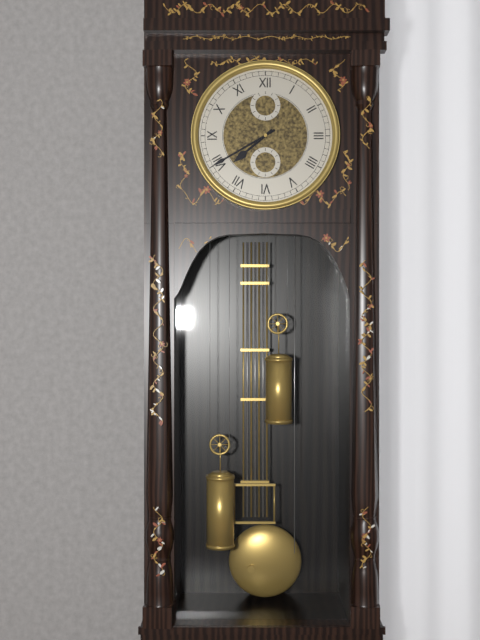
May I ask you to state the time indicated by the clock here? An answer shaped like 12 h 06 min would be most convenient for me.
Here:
7 h 40 min
